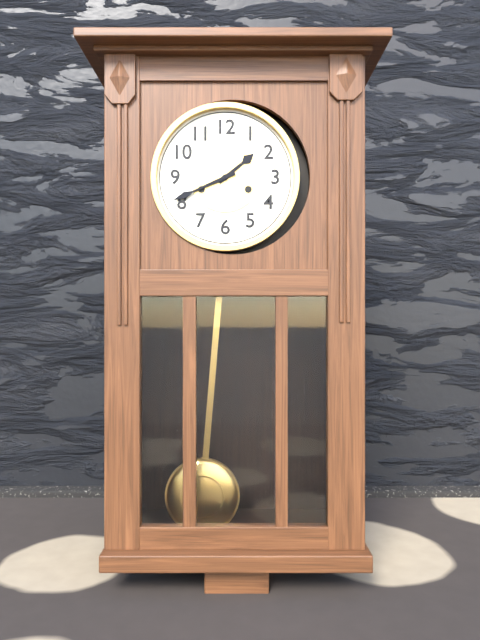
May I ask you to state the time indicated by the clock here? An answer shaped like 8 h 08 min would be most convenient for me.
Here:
1 h 41 min
